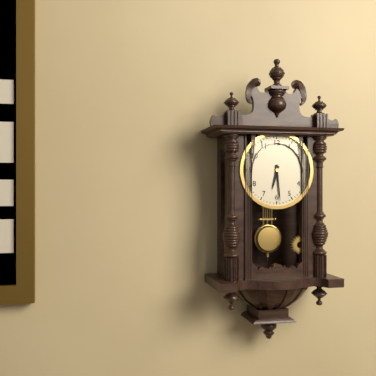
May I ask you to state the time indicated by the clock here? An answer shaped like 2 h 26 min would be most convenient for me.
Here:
6 h 29 min
